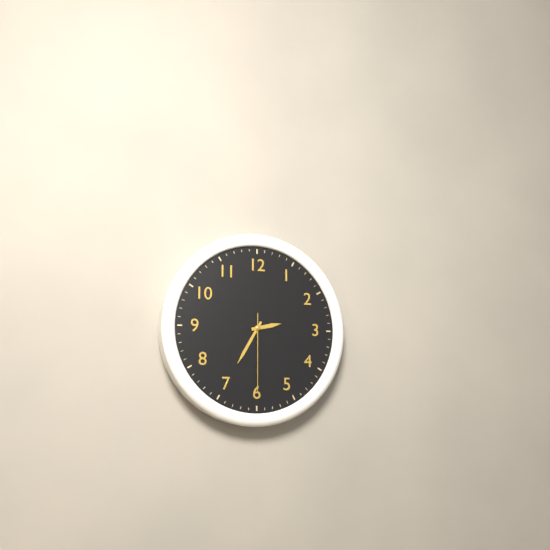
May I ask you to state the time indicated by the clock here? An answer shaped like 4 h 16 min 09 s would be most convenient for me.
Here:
2 h 35 min 30 s
